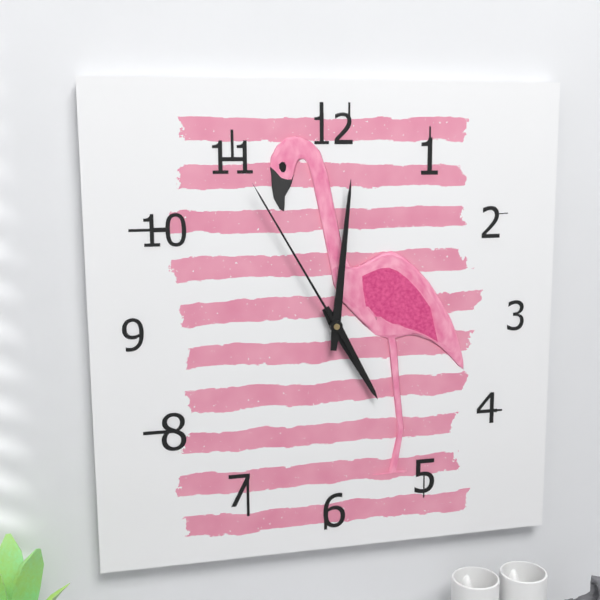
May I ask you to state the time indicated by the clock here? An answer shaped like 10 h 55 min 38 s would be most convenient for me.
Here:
5 h 01 min 55 s
